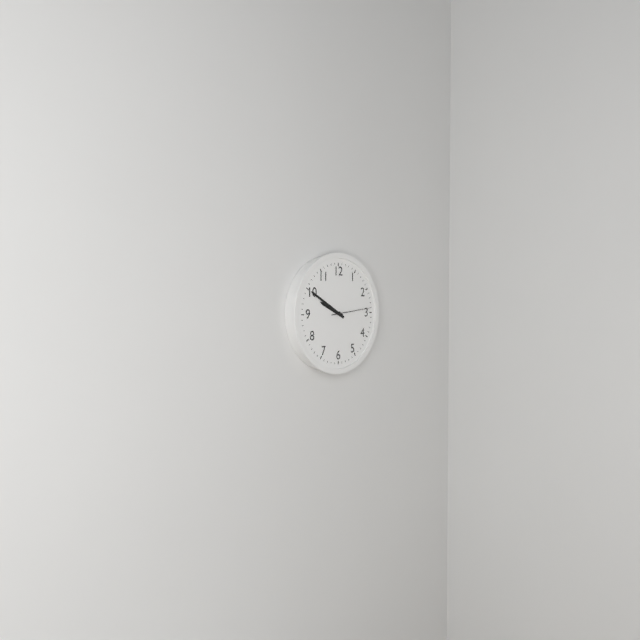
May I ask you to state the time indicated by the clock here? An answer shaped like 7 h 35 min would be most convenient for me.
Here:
9 h 50 min
